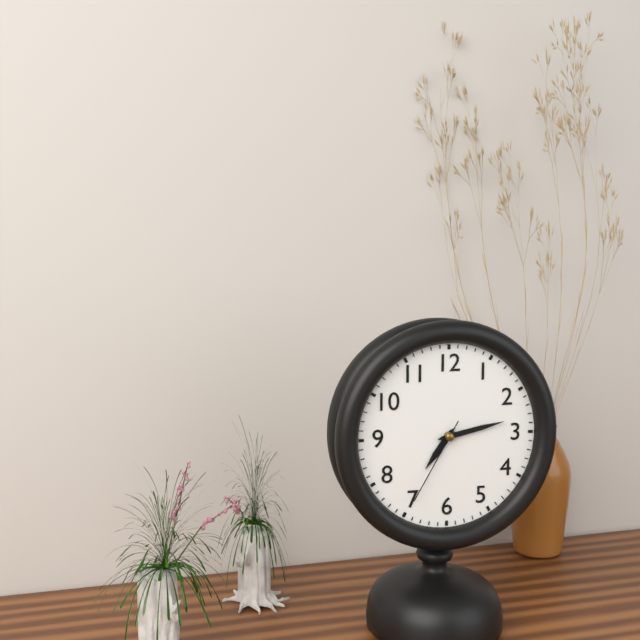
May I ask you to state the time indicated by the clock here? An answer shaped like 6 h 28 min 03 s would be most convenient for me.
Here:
7 h 13 min 35 s
